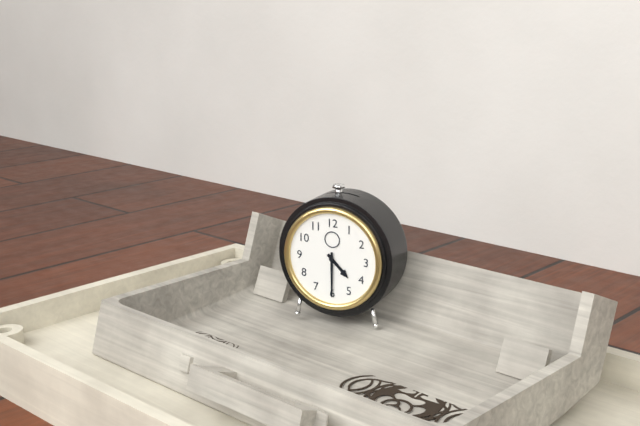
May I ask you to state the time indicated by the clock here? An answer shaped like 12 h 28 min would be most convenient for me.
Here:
4 h 30 min
